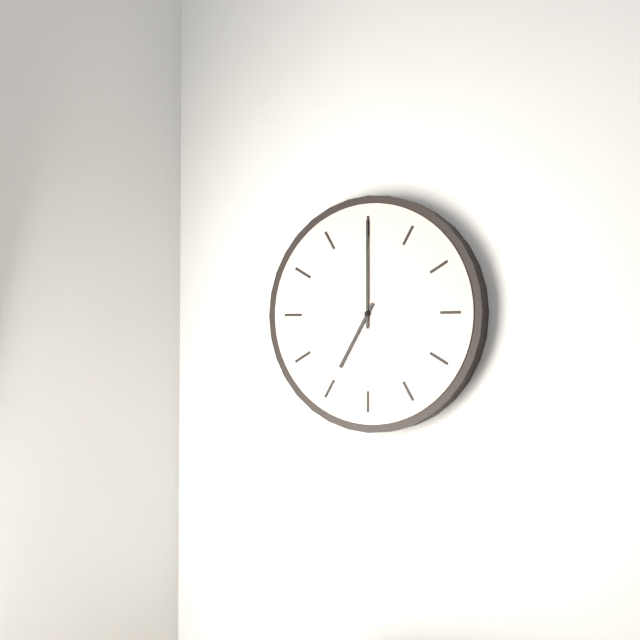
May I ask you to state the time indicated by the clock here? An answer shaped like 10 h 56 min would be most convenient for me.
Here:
7 h 00 min
